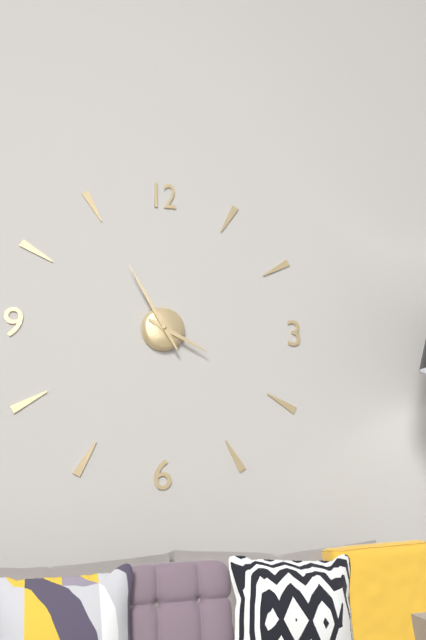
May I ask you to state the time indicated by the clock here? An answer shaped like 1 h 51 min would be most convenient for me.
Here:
3 h 55 min
